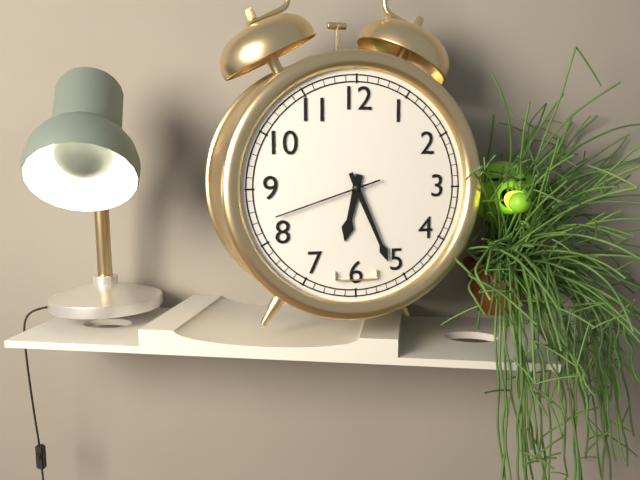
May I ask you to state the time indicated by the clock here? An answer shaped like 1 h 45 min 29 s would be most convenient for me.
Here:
6 h 26 min 42 s
